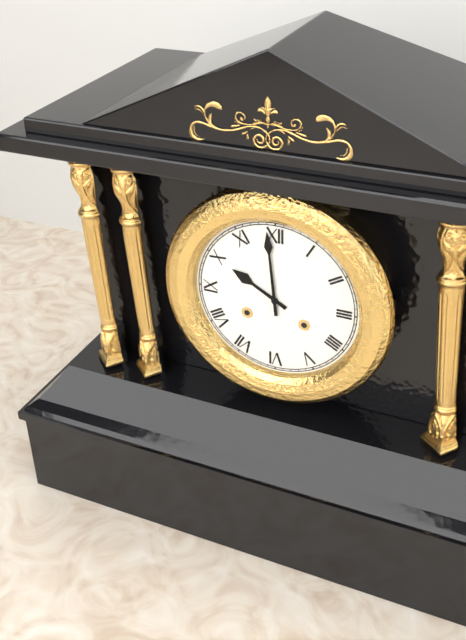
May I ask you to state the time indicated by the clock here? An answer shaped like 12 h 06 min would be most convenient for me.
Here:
9 h 59 min
